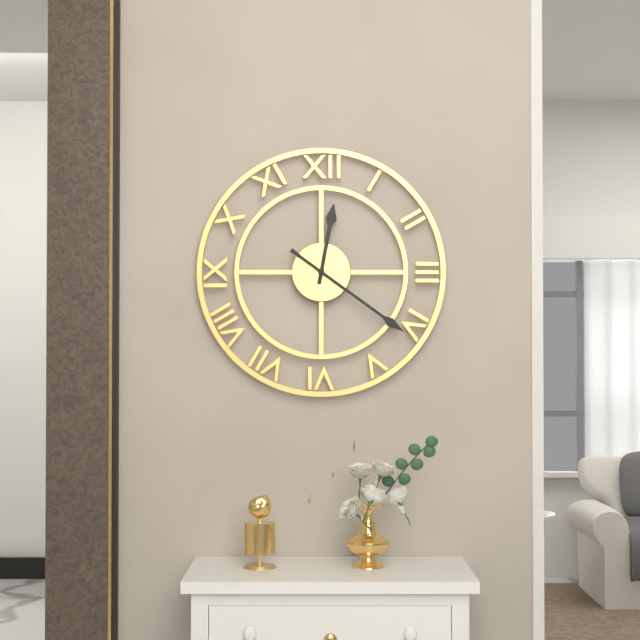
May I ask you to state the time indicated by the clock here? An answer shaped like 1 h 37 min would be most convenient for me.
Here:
12 h 21 min
